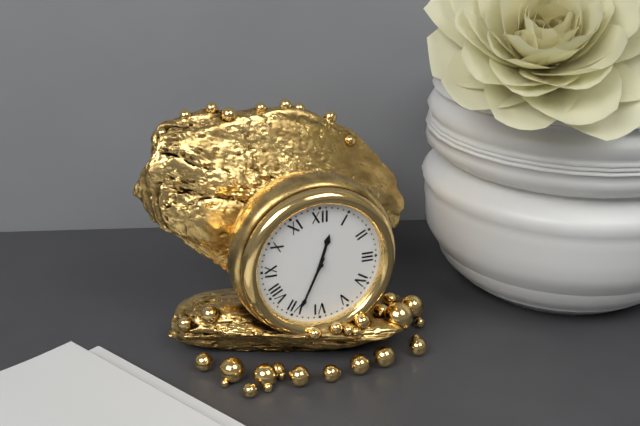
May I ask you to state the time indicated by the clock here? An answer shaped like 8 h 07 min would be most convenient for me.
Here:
12 h 34 min
